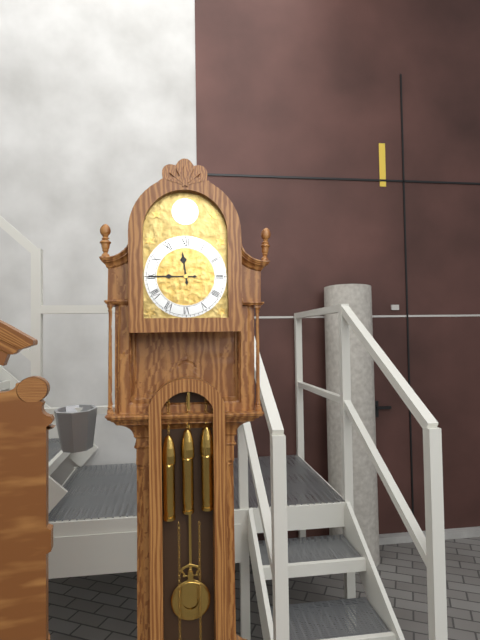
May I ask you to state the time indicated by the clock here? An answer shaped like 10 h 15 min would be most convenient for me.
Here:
11 h 45 min
